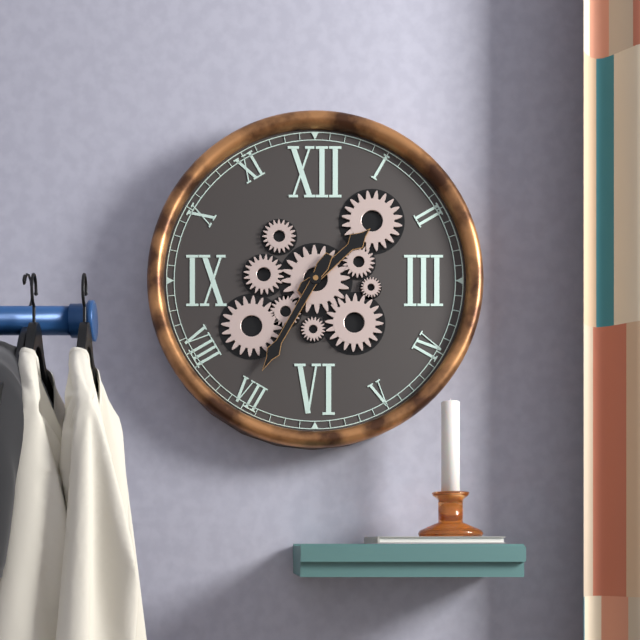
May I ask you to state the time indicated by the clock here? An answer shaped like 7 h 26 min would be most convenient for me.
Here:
1 h 35 min
